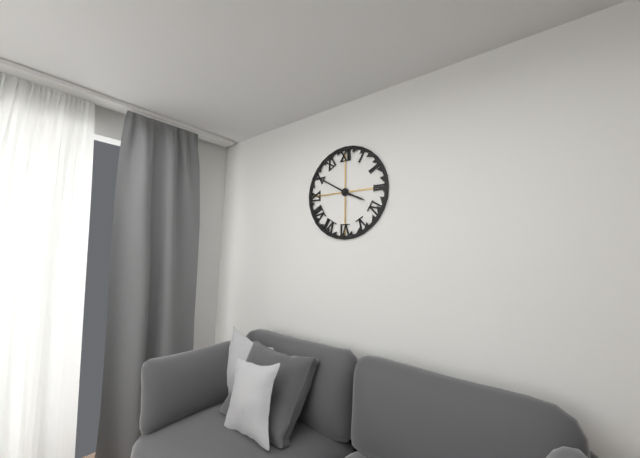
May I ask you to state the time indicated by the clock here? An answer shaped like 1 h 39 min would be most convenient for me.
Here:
3 h 50 min
